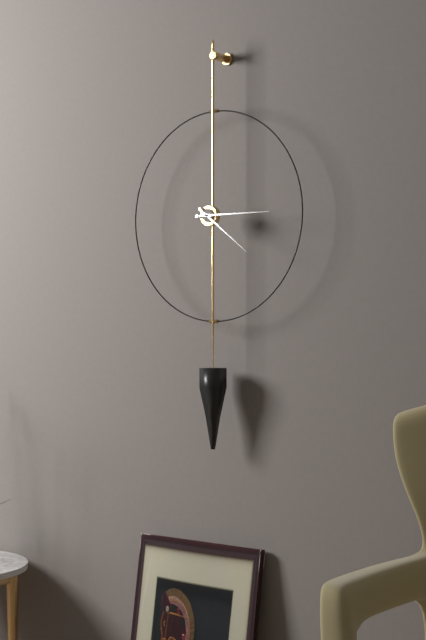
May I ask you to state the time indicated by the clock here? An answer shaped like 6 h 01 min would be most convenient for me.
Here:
4 h 15 min
